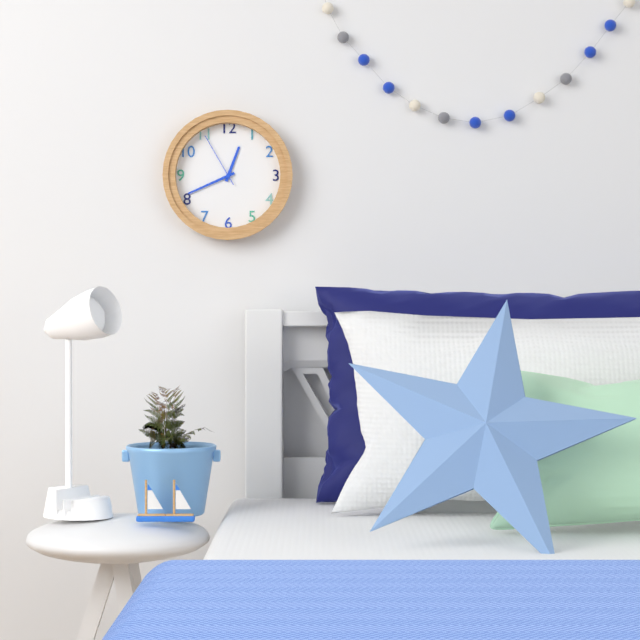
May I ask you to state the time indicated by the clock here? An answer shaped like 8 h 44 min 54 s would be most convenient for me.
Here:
12 h 41 min 55 s
